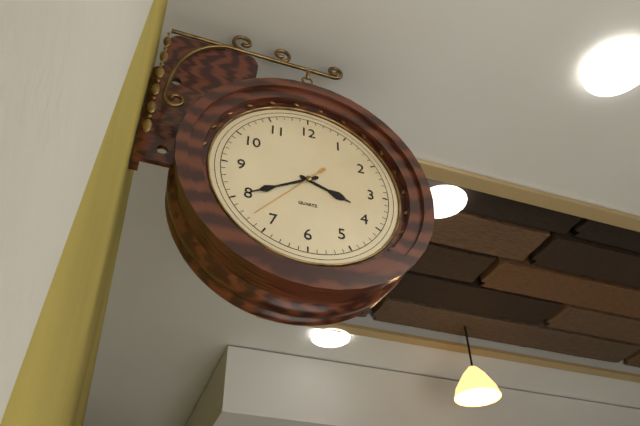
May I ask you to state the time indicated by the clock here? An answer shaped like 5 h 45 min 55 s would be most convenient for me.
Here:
3 h 40 min 37 s
